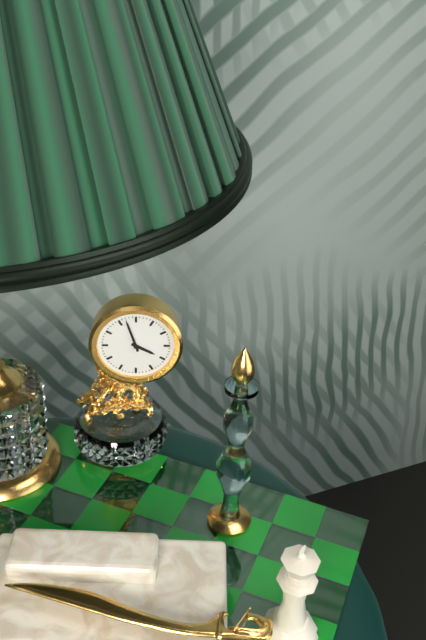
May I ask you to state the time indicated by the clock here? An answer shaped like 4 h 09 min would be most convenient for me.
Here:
3 h 57 min
